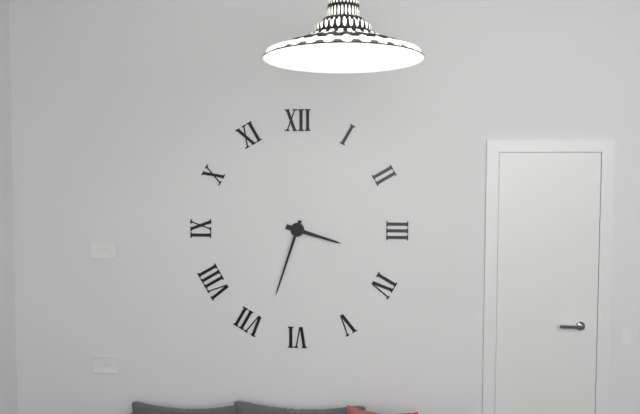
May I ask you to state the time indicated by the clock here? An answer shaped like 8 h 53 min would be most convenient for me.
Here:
3 h 33 min
